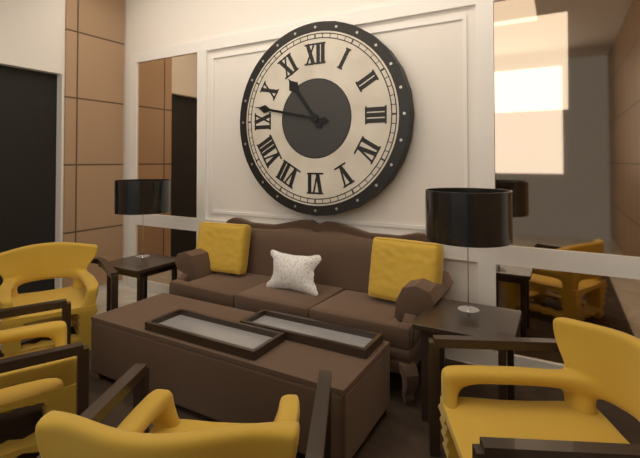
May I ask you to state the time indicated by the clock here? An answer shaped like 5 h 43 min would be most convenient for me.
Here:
10 h 47 min
